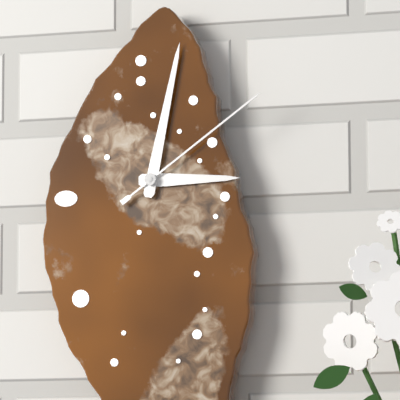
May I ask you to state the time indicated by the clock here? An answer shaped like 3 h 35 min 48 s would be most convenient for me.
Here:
3 h 02 min 09 s
